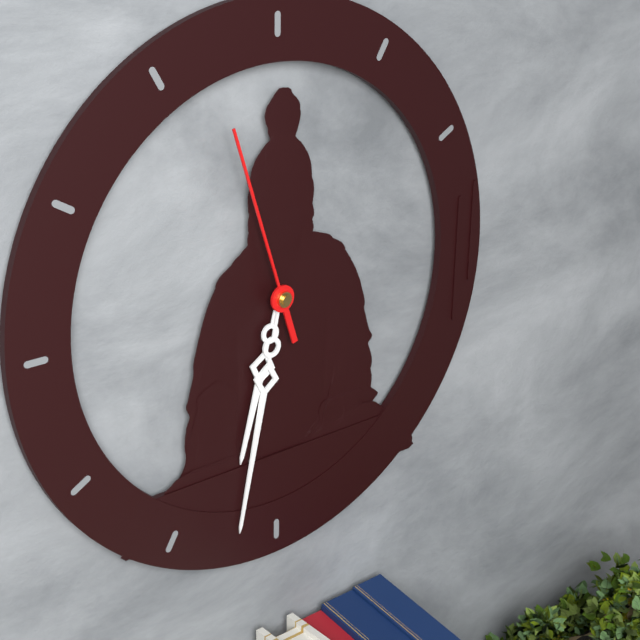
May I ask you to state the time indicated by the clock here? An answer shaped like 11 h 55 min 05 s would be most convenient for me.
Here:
6 h 32 min 57 s
